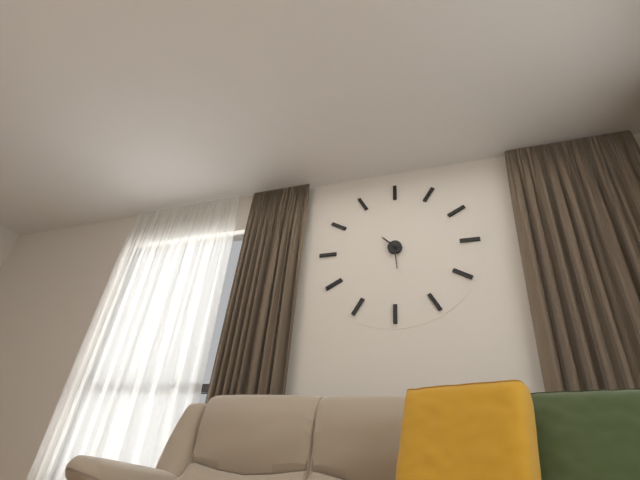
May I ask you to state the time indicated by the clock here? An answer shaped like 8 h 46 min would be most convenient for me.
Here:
10 h 29 min
